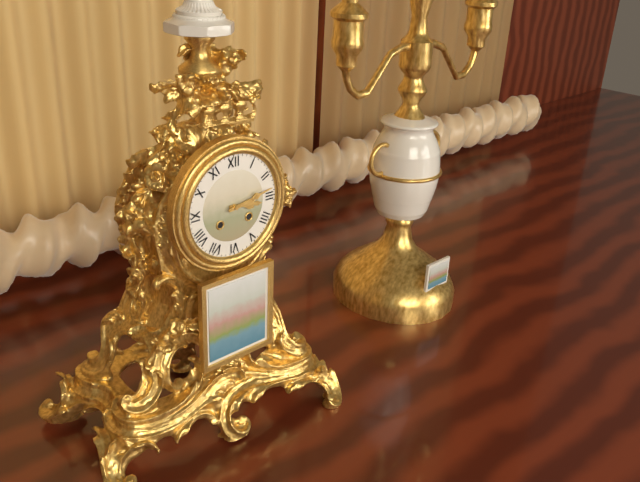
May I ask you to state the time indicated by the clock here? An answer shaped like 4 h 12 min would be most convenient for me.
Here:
3 h 13 min
